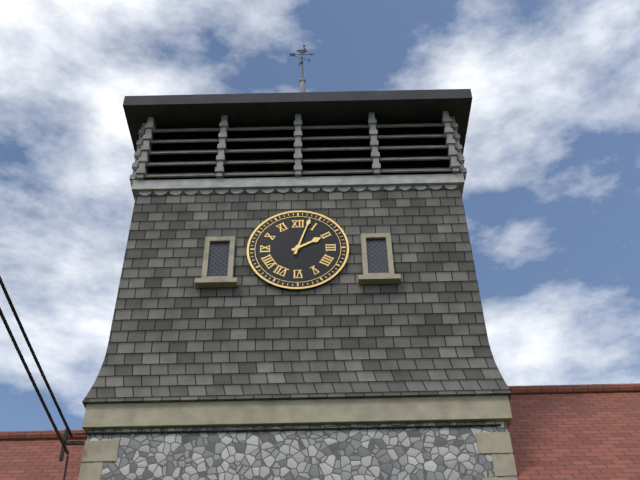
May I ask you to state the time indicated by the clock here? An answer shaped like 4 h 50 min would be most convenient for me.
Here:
2 h 03 min
